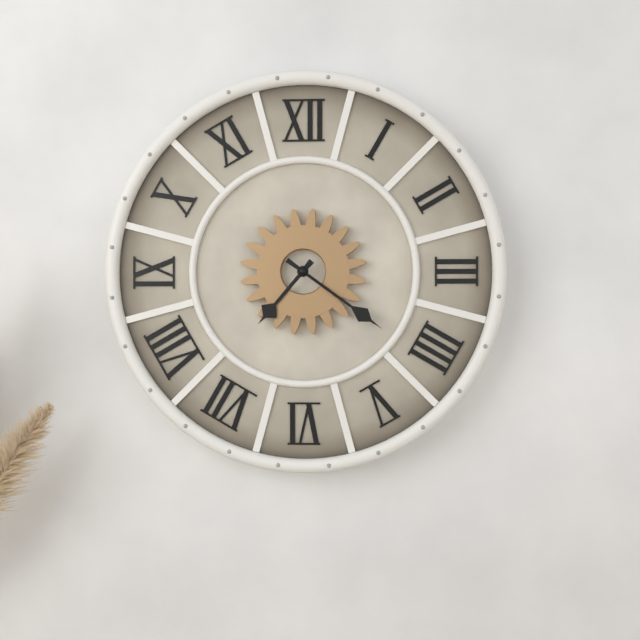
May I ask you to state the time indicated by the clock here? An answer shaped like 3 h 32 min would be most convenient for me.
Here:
7 h 21 min
